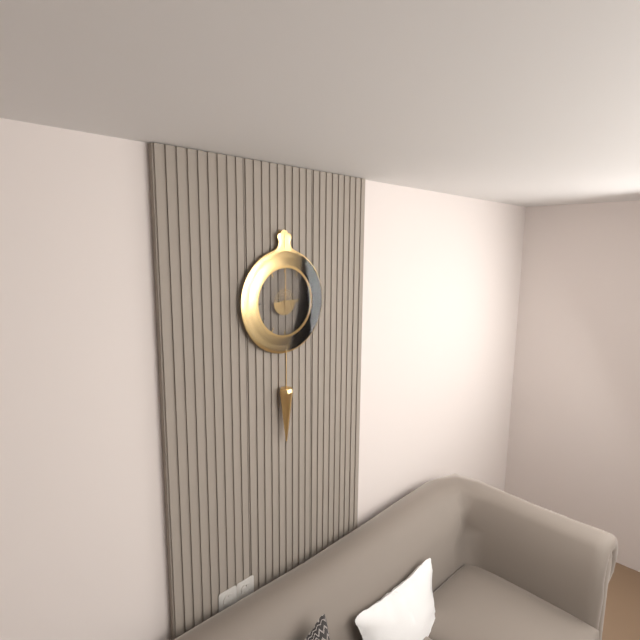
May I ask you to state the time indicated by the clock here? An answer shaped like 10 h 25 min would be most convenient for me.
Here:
3 h 00 min
